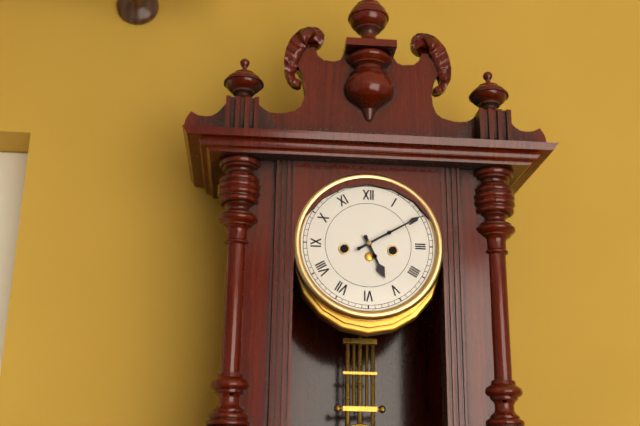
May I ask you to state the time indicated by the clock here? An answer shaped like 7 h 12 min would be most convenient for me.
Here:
5 h 10 min
